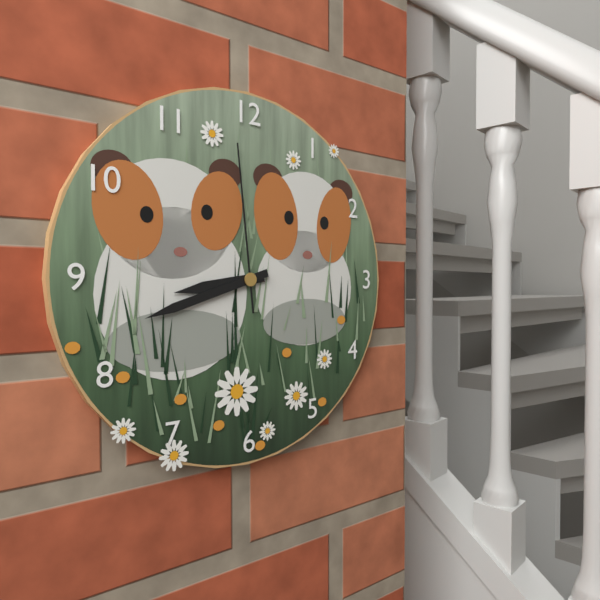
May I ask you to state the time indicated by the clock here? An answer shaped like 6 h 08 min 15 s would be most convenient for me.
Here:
8 h 42 min 59 s
